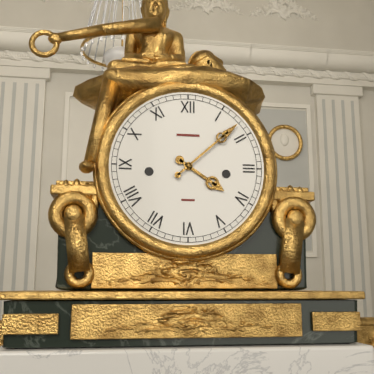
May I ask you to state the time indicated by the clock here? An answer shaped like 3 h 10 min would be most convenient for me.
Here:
4 h 08 min
